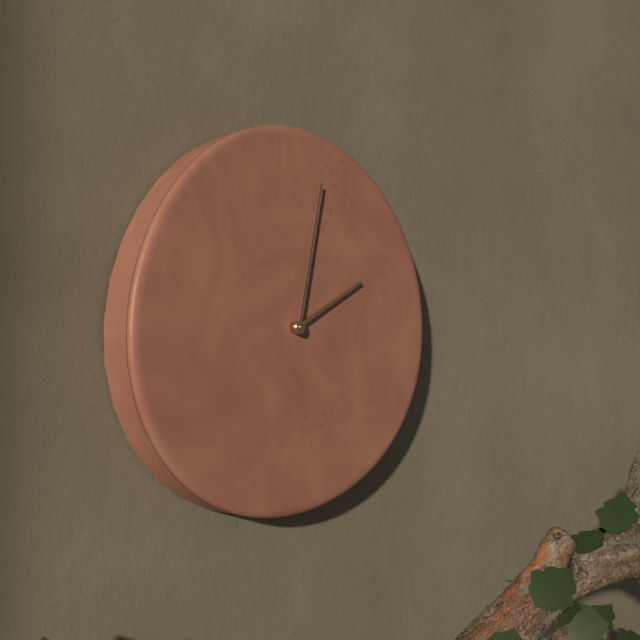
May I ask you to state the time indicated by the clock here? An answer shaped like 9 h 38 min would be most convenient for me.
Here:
2 h 02 min
